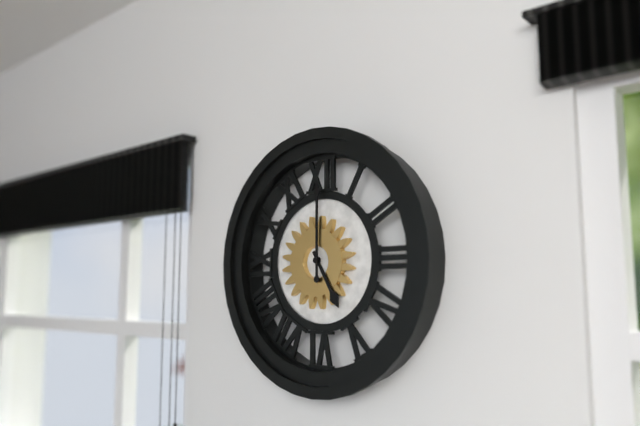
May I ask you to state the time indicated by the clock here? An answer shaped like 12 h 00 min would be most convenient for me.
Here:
5 h 00 min
